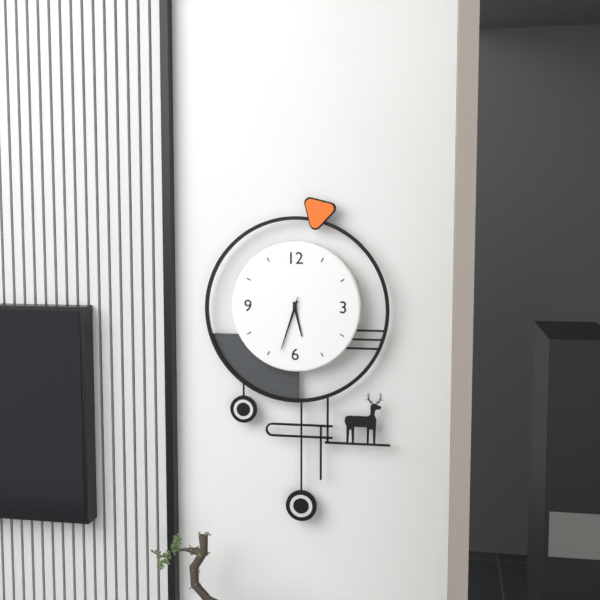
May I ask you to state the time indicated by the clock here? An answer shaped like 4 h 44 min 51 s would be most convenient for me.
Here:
5 h 33 min 33 s
